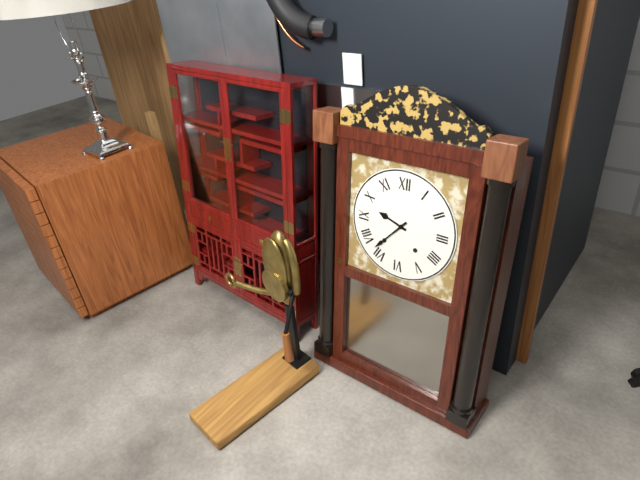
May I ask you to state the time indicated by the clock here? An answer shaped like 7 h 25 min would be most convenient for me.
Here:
9 h 37 min
